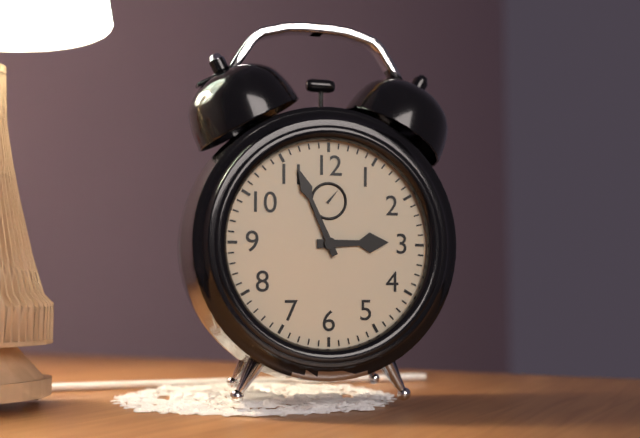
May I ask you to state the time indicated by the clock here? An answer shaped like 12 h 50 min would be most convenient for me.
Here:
2 h 56 min
